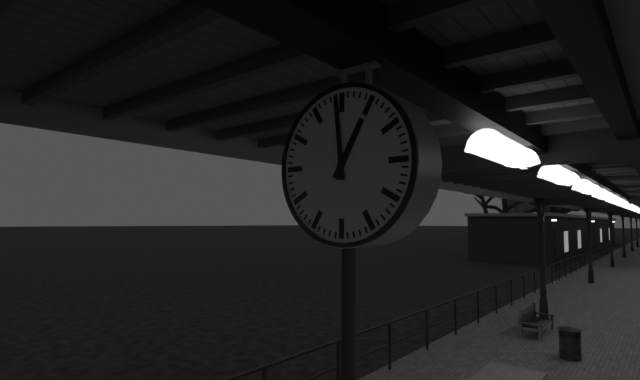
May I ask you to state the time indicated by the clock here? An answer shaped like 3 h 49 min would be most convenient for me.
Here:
12 h 59 min
